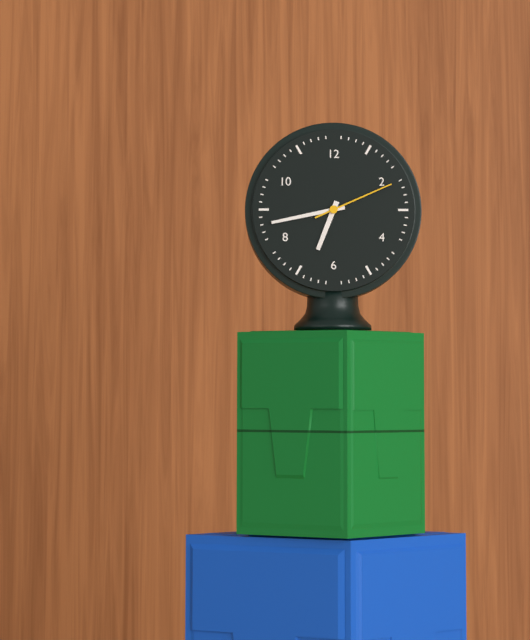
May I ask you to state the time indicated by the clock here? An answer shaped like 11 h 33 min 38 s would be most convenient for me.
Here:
6 h 43 min 11 s
